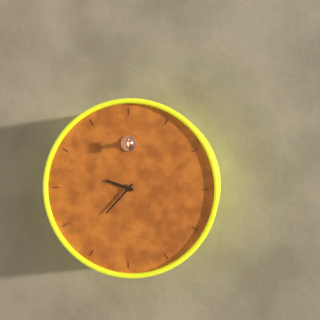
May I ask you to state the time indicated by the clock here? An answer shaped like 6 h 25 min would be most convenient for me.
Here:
9 h 37 min
